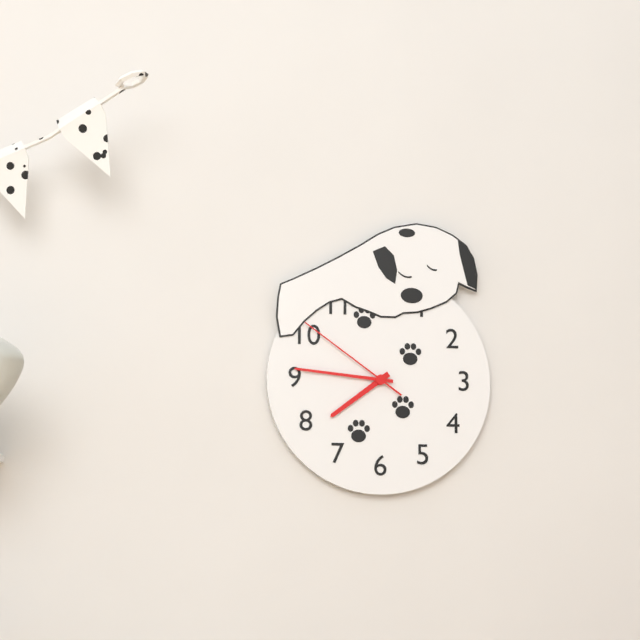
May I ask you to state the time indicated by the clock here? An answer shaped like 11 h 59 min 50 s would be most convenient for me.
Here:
7 h 46 min 51 s
